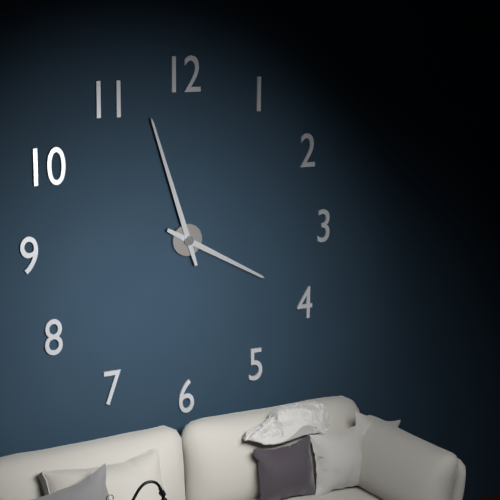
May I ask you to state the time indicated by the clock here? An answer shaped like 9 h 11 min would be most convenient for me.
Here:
3 h 57 min
